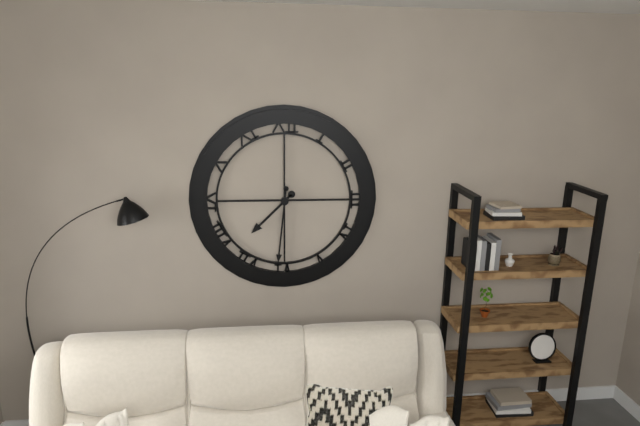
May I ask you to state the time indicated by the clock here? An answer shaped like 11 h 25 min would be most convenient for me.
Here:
7 h 31 min
